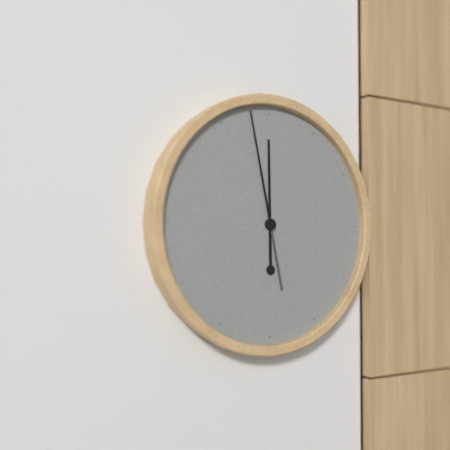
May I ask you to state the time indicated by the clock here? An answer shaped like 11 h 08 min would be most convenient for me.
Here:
11 h 58 min
